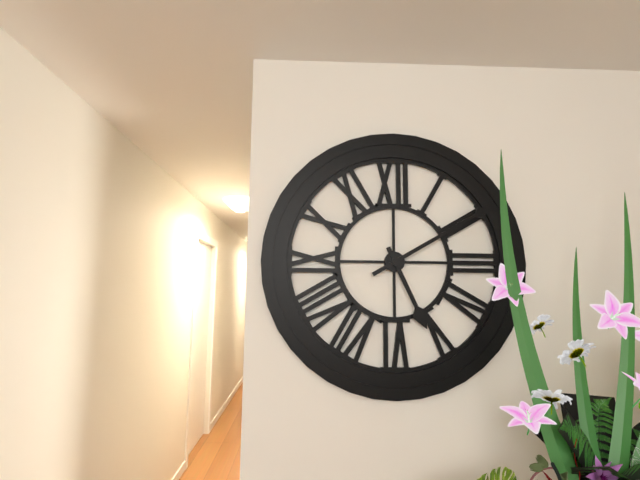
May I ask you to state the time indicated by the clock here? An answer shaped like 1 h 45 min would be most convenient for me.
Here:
5 h 10 min
